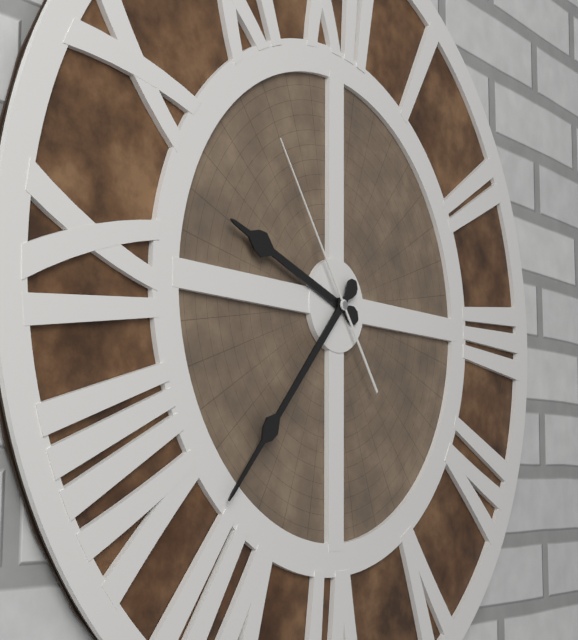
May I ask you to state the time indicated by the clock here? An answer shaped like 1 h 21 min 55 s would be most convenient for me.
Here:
9 h 37 min 54 s
